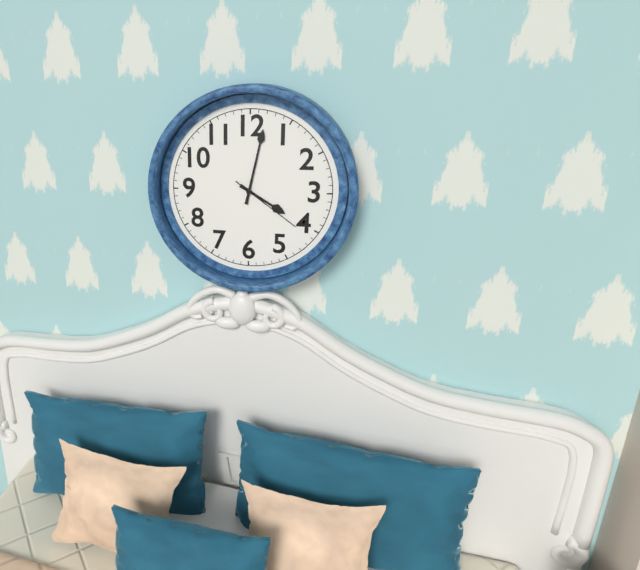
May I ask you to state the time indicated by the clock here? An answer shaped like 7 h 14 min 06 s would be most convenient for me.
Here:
4 h 02 min 21 s
